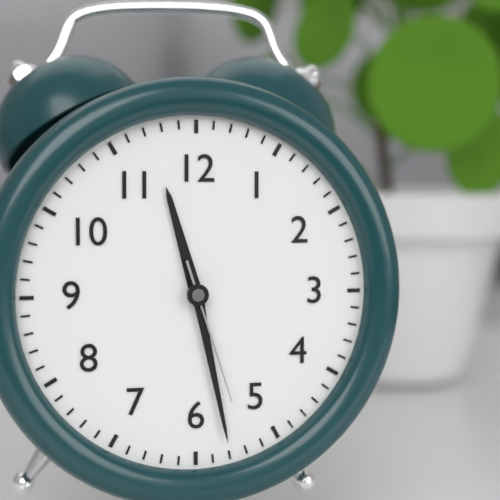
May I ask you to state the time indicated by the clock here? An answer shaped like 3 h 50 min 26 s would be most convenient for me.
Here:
11 h 28 min 27 s
